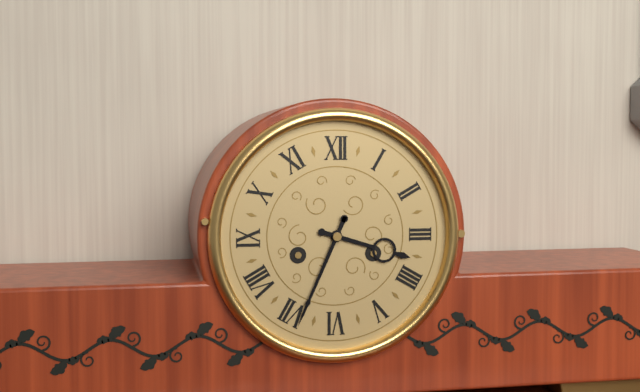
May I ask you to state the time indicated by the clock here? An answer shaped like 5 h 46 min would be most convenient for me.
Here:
3 h 34 min
